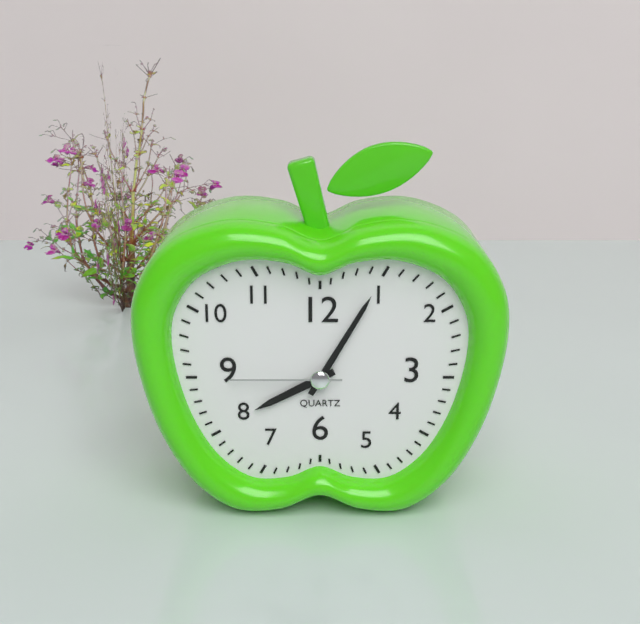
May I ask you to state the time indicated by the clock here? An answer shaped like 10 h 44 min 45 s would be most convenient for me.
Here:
8 h 05 min 45 s
